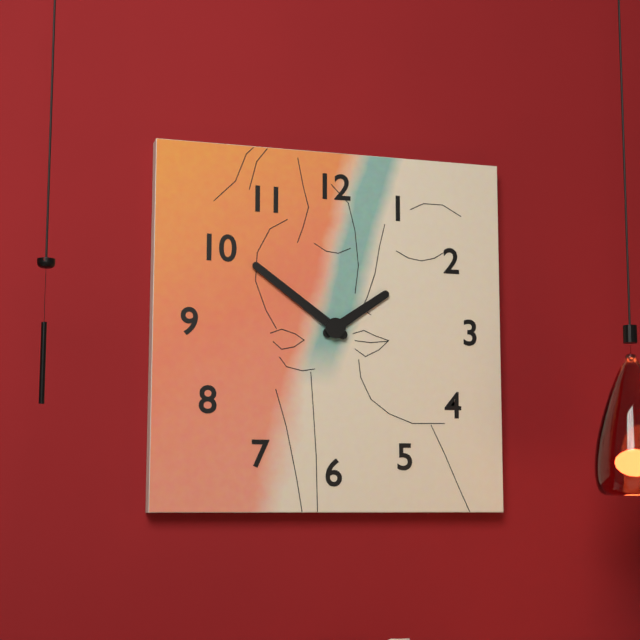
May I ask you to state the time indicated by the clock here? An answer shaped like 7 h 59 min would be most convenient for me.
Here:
1 h 51 min
